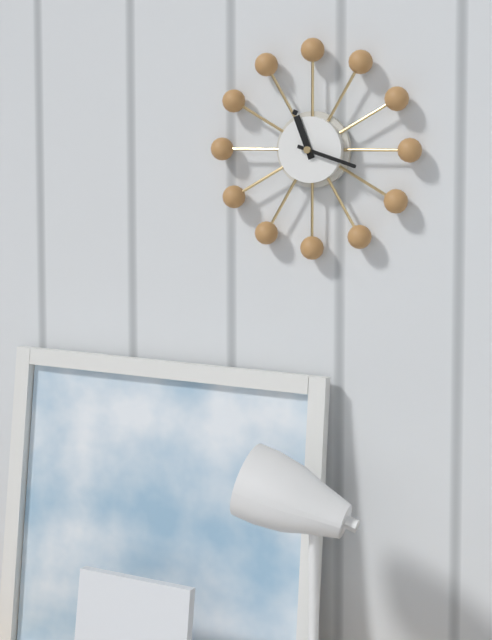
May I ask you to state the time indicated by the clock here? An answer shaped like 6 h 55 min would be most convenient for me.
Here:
11 h 18 min
